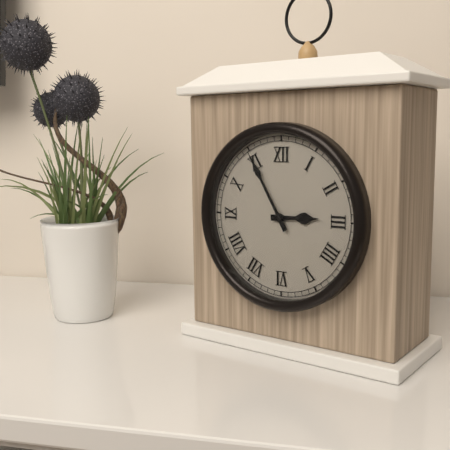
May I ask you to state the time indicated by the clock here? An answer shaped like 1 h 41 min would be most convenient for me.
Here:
2 h 55 min
